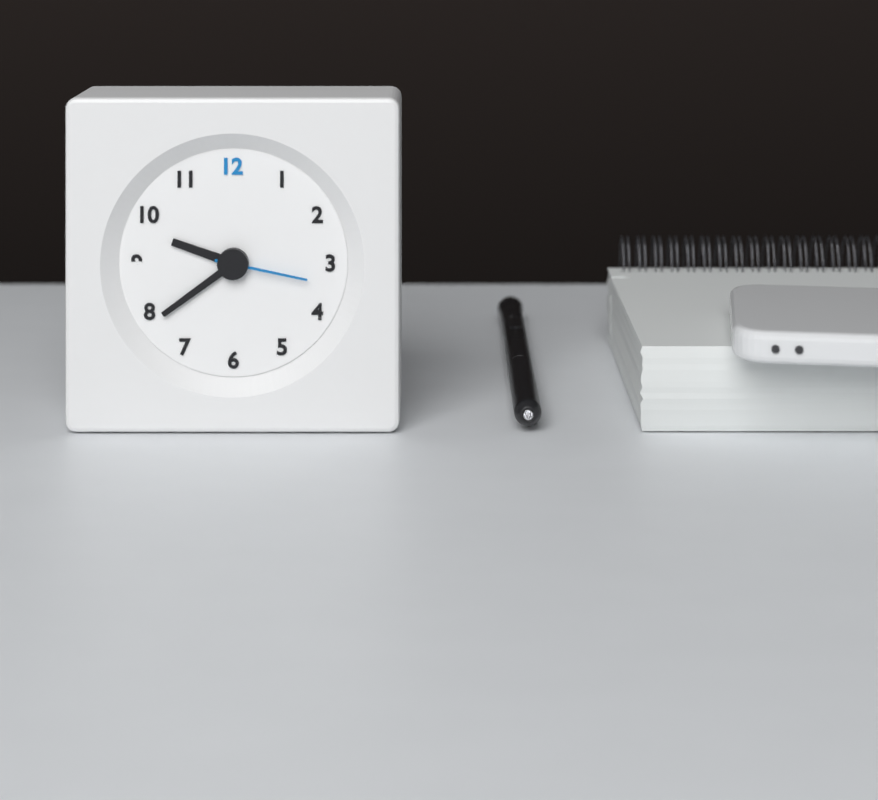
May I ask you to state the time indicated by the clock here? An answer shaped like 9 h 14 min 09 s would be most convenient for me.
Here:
9 h 39 min 17 s
